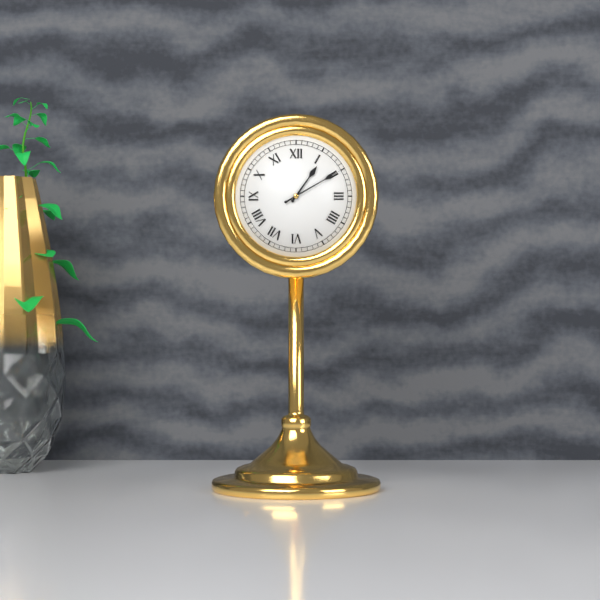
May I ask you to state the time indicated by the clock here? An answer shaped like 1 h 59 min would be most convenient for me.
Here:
1 h 10 min
